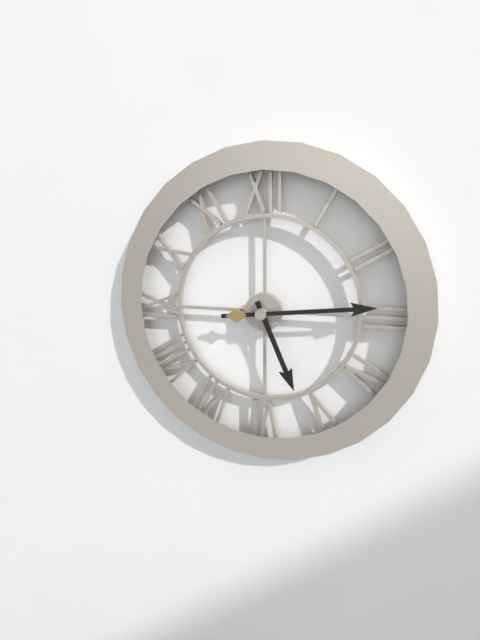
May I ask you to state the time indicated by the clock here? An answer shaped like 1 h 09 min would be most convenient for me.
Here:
5 h 14 min
